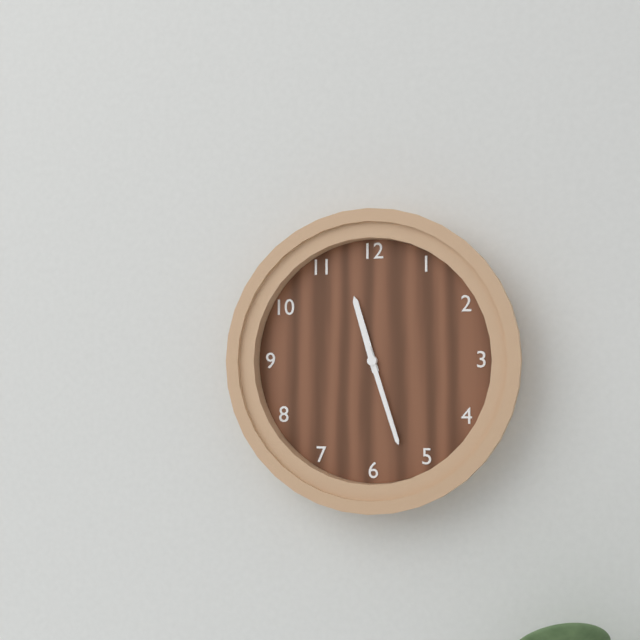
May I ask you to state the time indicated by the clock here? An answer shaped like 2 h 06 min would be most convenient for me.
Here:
11 h 27 min
